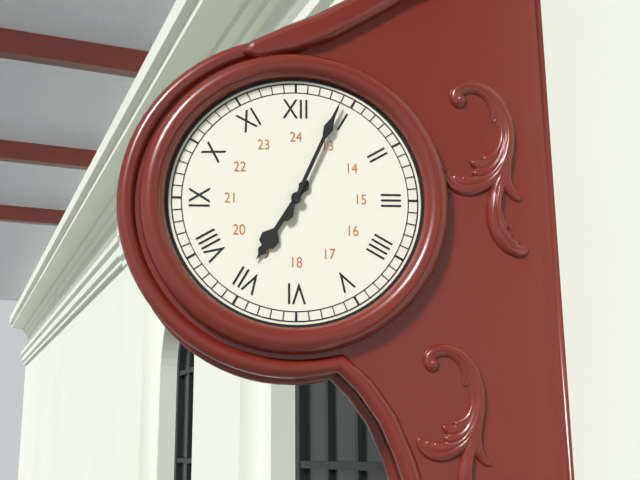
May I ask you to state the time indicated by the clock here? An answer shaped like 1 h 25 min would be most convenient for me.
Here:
7 h 04 min
